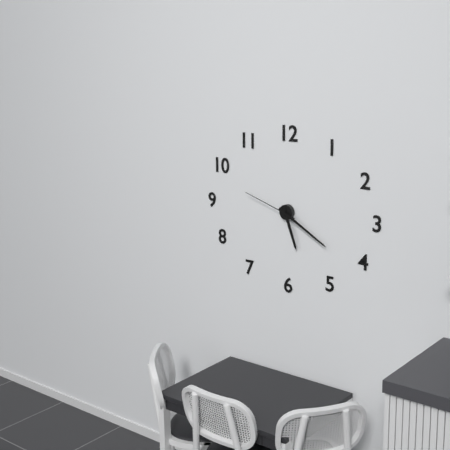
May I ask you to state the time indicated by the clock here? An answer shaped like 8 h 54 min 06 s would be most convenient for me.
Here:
5 h 20 min 48 s
